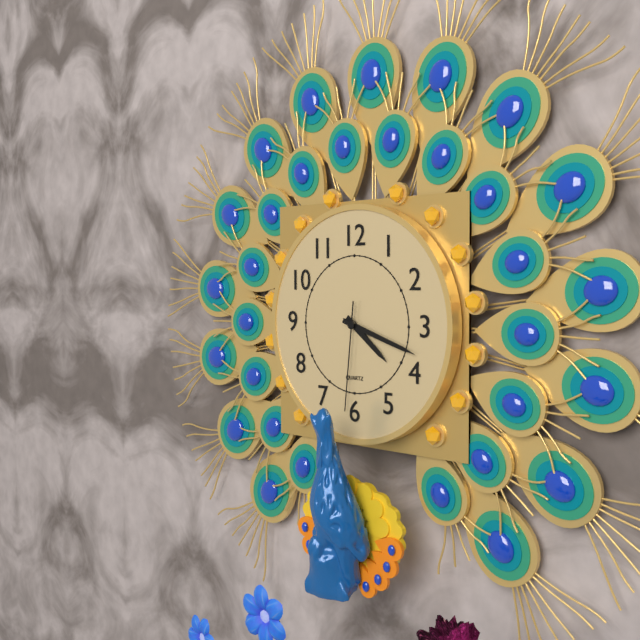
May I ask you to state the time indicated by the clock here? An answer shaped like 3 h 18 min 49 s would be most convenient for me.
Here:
4 h 18 min 31 s
